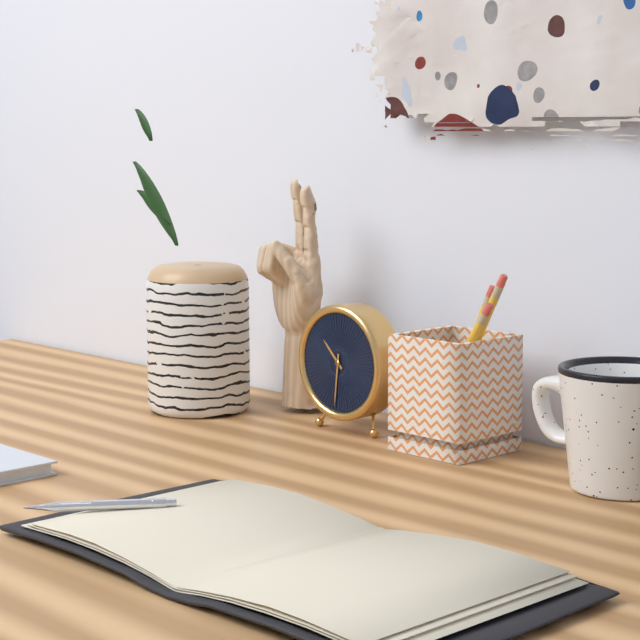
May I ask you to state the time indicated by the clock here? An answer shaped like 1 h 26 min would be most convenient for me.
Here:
10 h 31 min
